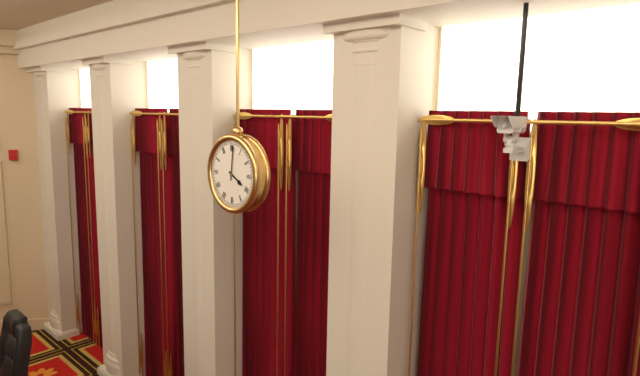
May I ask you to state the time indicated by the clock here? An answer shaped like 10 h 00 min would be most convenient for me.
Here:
4 h 01 min
